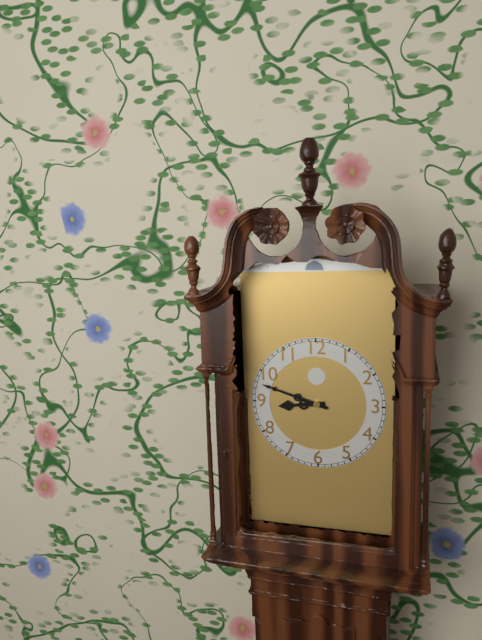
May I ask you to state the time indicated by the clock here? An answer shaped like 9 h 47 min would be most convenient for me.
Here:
8 h 48 min
